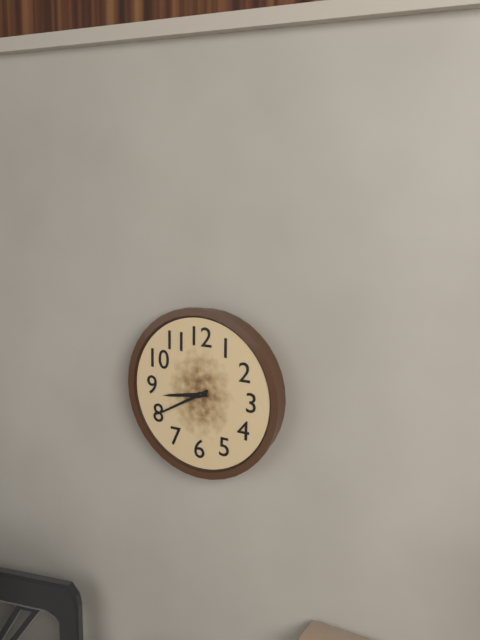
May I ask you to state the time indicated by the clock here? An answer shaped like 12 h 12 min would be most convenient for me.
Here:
8 h 40 min
